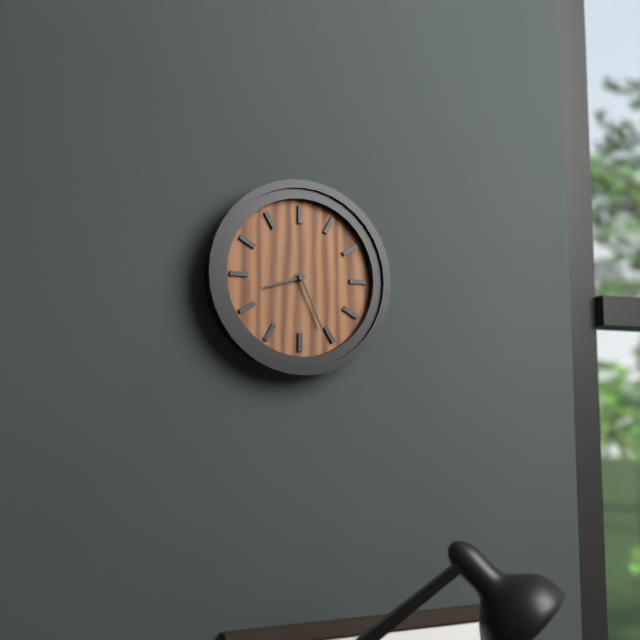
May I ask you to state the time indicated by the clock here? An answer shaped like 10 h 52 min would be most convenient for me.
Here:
8 h 26 min
